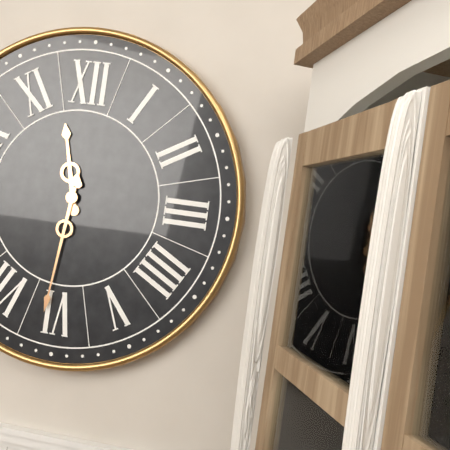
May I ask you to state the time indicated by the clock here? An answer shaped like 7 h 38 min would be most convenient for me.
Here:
11 h 31 min
